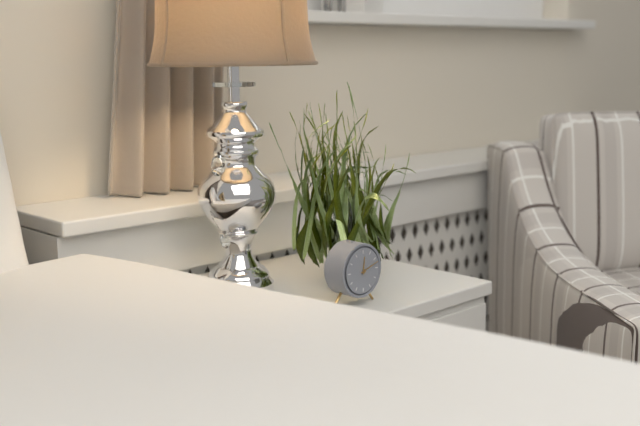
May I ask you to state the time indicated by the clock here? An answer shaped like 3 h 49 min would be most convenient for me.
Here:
12 h 12 min
